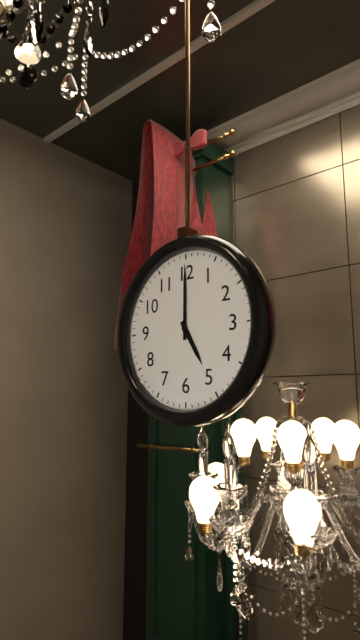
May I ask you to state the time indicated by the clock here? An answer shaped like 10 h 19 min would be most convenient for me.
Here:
5 h 00 min
